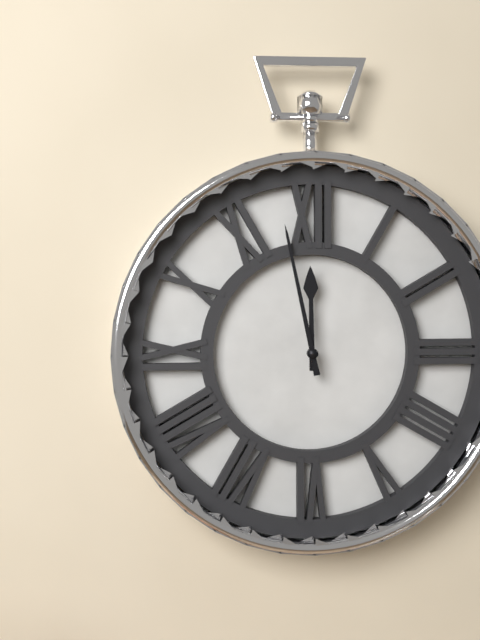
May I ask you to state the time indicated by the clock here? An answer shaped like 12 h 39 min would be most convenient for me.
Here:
11 h 58 min
